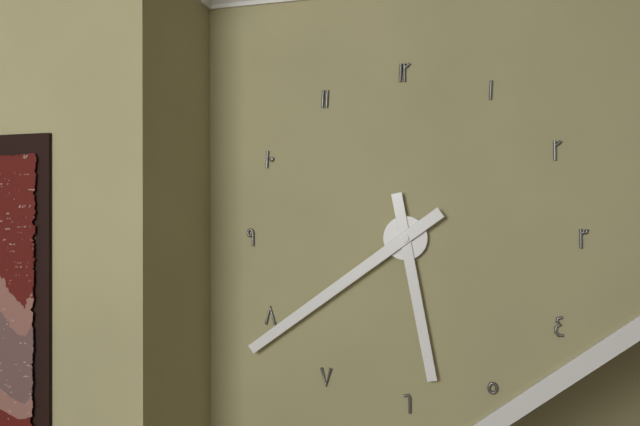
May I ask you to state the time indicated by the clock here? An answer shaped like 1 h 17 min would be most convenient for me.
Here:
5 h 39 min
